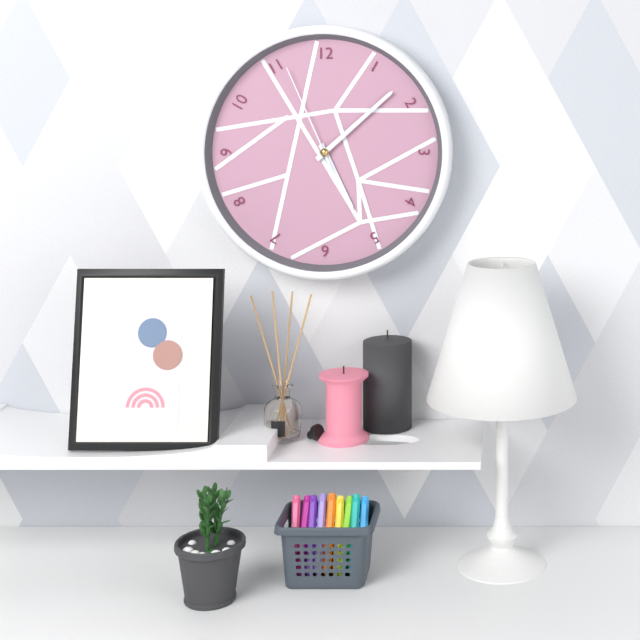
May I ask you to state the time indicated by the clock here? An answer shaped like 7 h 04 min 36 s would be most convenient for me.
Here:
5 h 08 min 56 s
